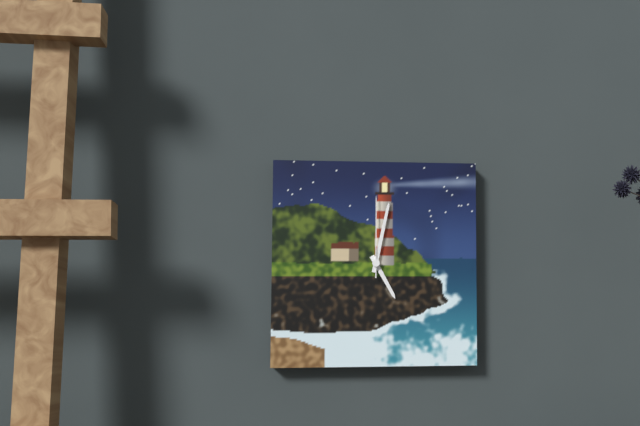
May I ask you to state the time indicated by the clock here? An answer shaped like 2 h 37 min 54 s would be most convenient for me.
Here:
5 h 02 min 00 s
